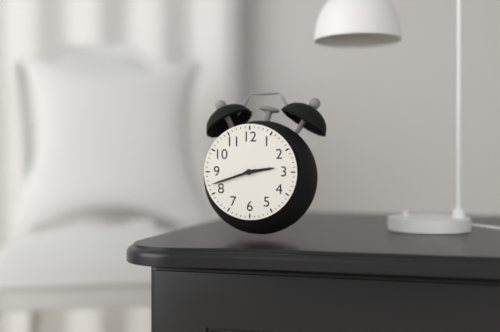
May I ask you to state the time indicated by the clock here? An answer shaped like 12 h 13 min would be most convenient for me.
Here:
2 h 42 min
